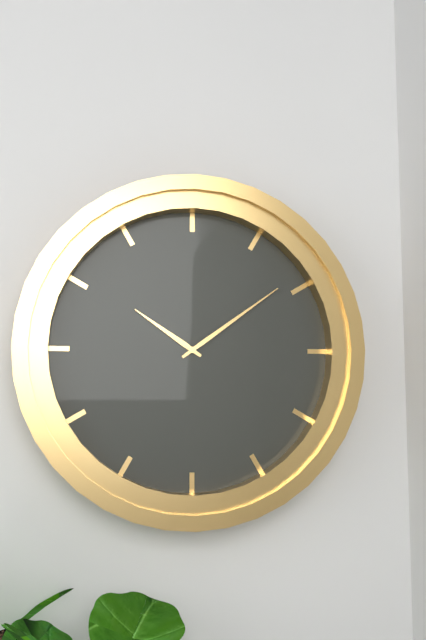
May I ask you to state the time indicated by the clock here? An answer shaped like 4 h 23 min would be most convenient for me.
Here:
10 h 09 min
